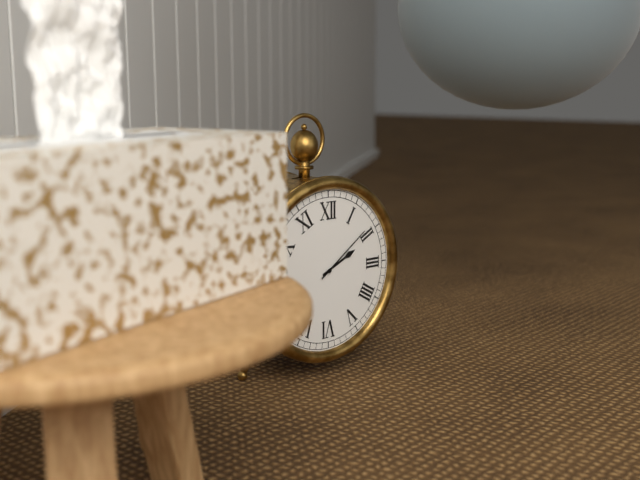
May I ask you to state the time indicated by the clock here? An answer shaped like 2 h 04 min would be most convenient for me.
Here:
2 h 09 min
